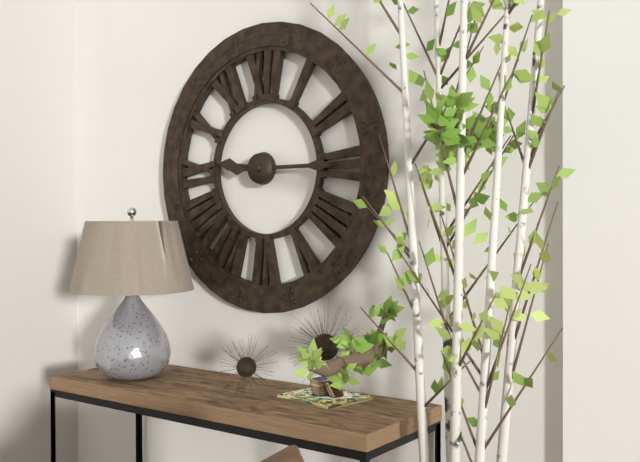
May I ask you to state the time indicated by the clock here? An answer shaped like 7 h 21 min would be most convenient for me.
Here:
9 h 15 min
